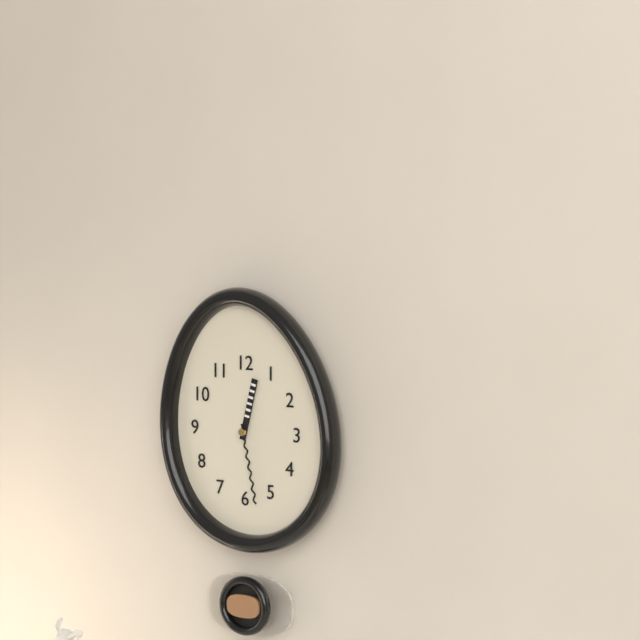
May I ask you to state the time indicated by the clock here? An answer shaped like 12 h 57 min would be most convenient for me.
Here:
12 h 28 min
